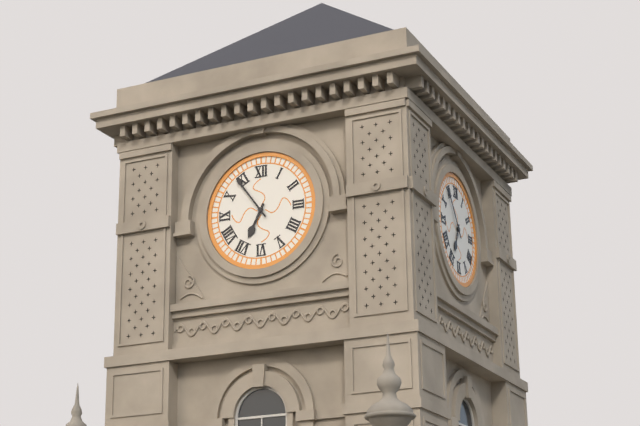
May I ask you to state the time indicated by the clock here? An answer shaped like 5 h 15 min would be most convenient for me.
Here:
6 h 54 min
